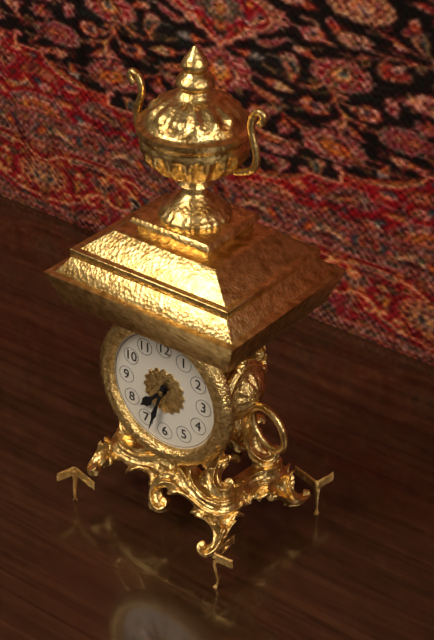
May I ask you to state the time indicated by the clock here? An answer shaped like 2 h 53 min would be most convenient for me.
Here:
7 h 33 min
